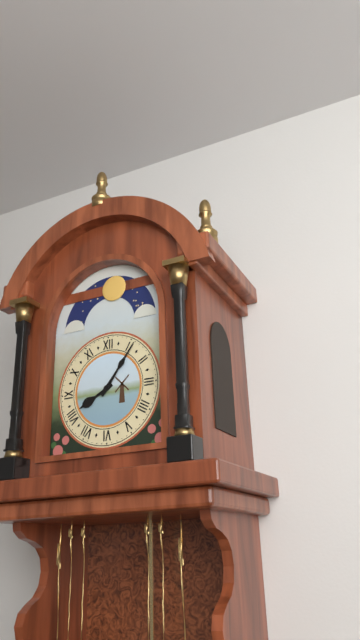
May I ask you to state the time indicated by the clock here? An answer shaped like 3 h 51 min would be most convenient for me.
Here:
8 h 06 min
